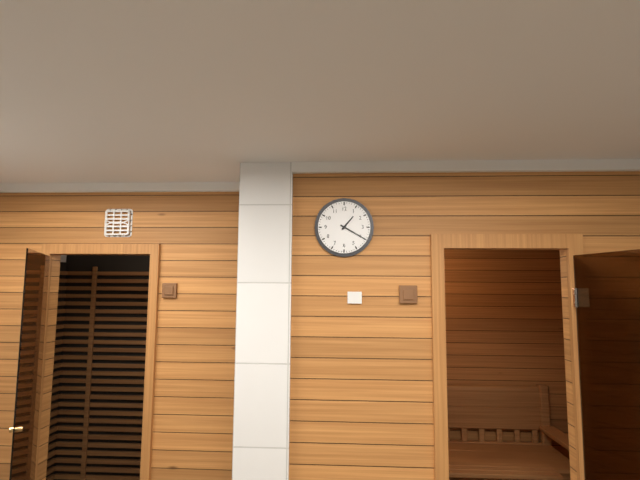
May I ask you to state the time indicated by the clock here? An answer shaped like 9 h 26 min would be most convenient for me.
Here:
1 h 20 min
